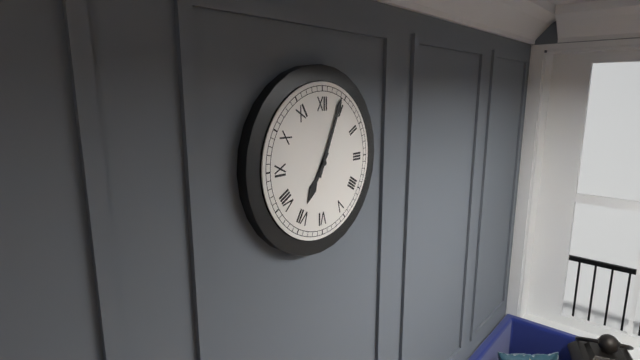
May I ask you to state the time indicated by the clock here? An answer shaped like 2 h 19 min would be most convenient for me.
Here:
7 h 04 min
